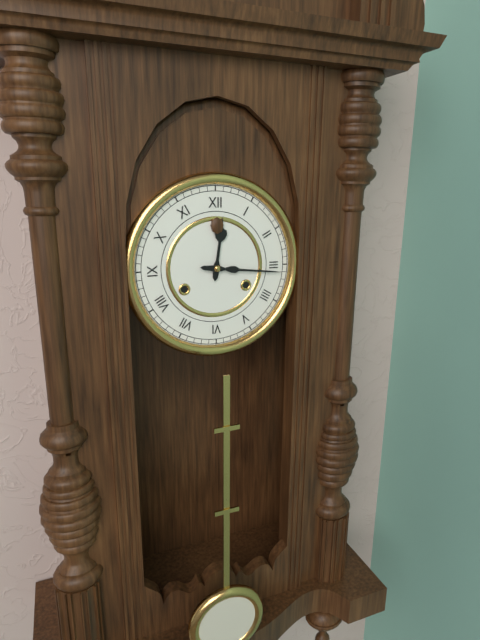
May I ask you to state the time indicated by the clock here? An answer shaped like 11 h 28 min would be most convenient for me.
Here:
12 h 16 min
